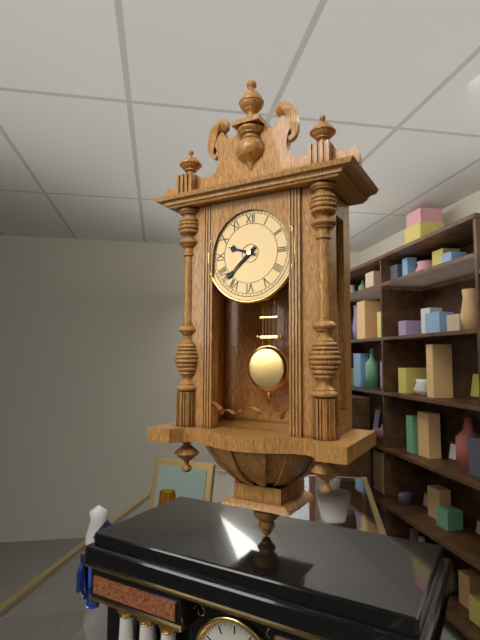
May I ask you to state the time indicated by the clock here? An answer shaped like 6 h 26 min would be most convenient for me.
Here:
9 h 38 min
